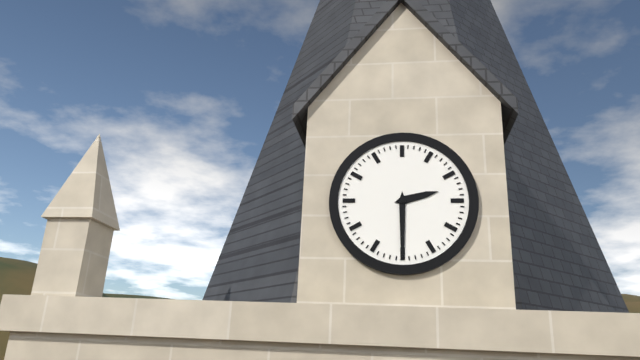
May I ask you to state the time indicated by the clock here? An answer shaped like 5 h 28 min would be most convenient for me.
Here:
2 h 30 min
